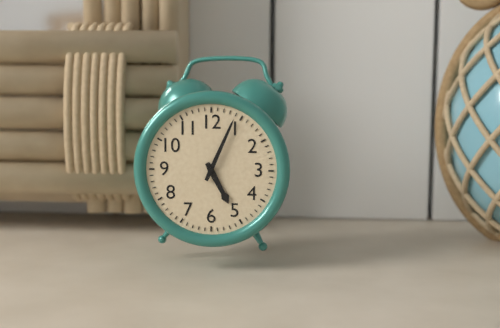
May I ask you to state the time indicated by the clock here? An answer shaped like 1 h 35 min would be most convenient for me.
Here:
5 h 04 min
